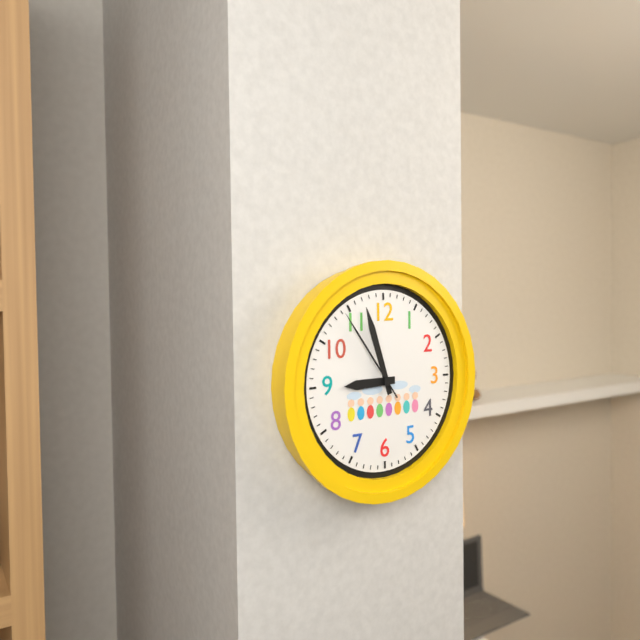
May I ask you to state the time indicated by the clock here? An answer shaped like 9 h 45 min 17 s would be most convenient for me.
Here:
8 h 57 min 54 s
